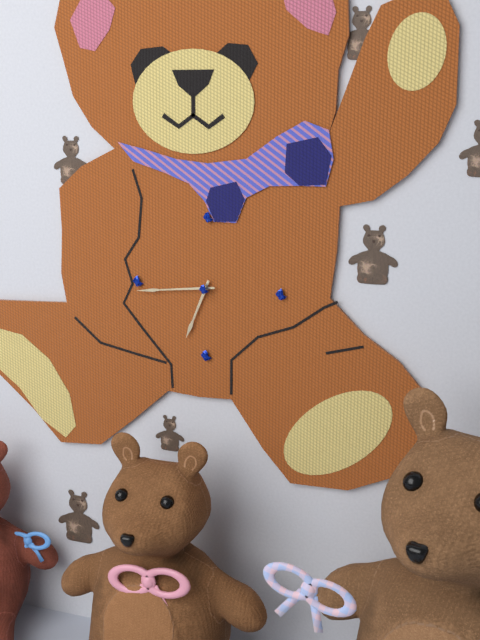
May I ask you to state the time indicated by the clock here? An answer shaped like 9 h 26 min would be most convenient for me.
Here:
6 h 44 min
